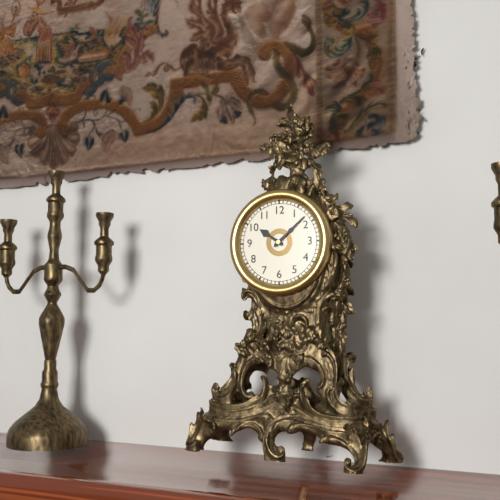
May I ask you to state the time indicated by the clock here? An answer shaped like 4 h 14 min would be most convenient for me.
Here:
10 h 08 min
